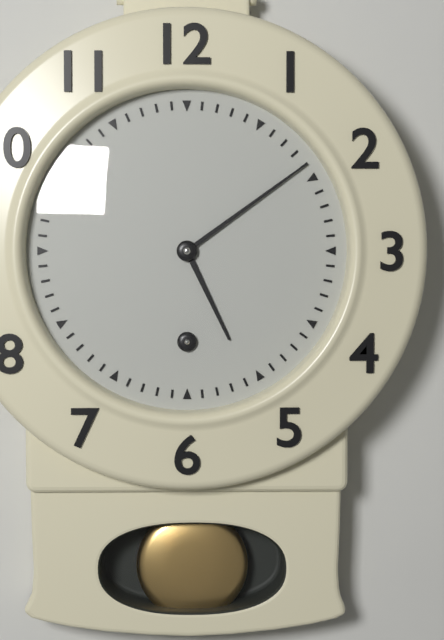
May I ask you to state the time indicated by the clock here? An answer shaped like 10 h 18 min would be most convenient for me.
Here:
5 h 09 min
